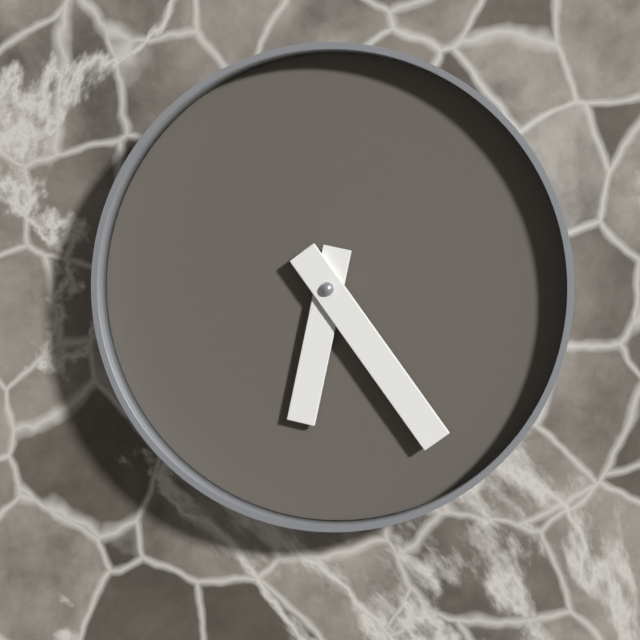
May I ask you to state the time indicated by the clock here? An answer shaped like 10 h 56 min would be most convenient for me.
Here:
6 h 24 min
